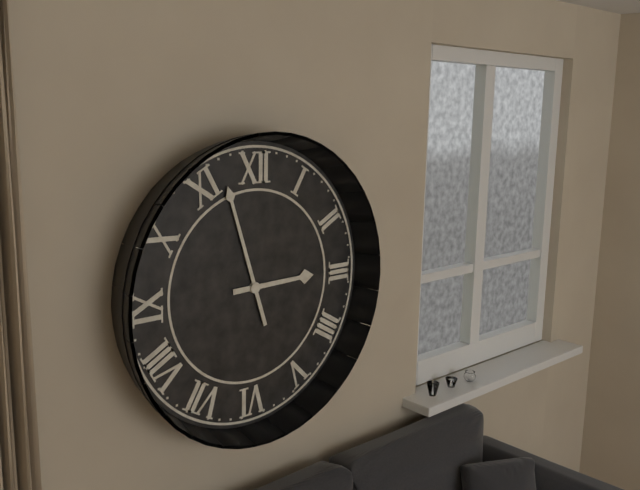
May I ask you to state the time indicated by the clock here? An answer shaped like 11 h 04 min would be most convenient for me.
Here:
2 h 57 min
